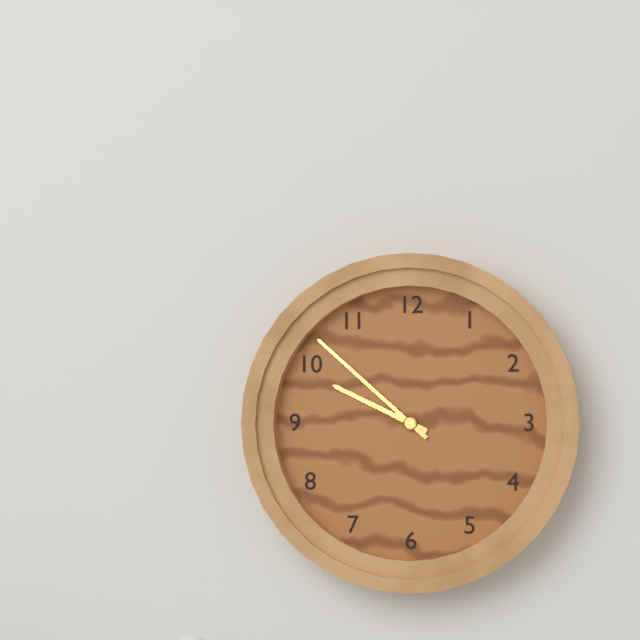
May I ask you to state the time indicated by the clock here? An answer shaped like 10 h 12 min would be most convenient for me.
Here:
9 h 52 min
